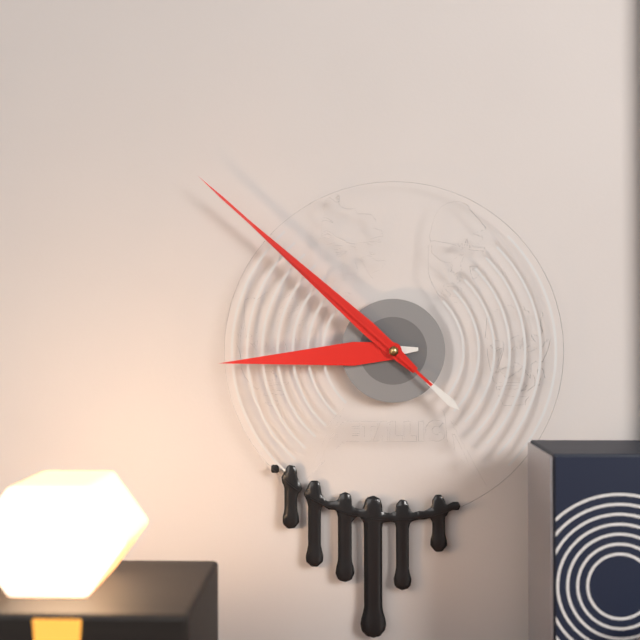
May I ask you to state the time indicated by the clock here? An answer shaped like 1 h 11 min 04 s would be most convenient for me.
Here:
8 h 52 min 52 s
